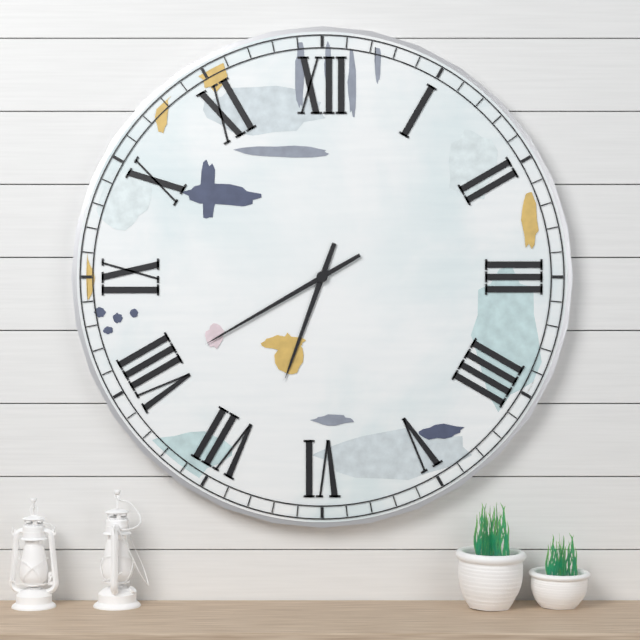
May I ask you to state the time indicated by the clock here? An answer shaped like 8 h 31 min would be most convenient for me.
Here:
6 h 40 min
